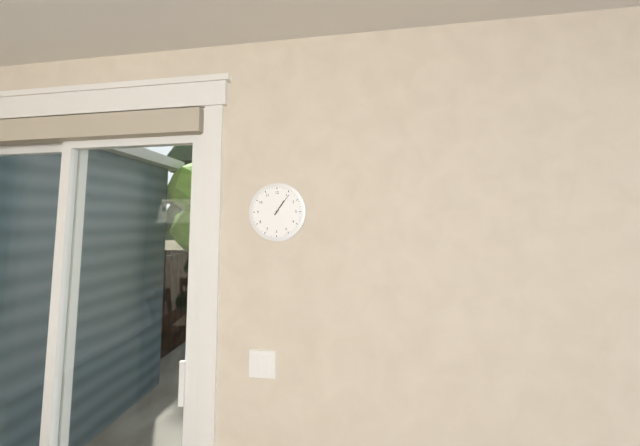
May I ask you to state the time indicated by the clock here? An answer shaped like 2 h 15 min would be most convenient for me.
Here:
1 h 06 min
